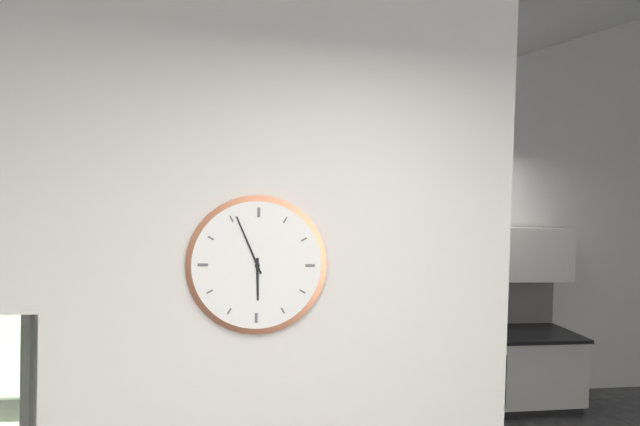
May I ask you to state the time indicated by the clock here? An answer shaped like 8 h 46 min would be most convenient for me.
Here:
5 h 56 min
